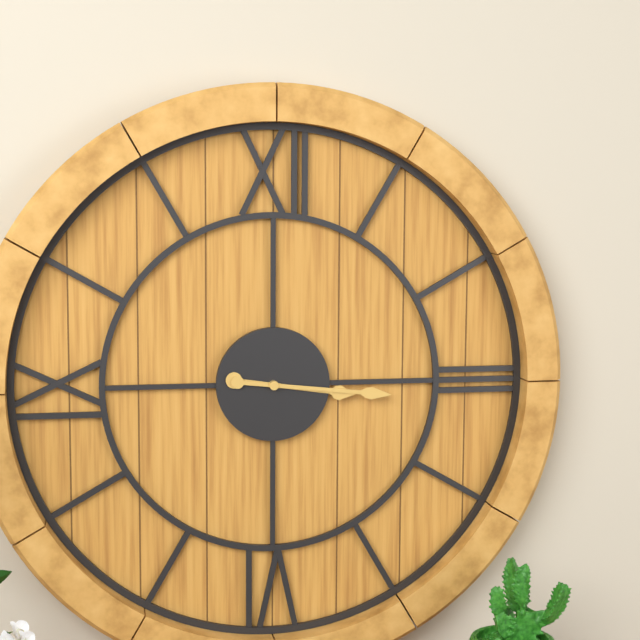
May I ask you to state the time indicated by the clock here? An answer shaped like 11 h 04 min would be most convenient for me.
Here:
3 h 16 min
